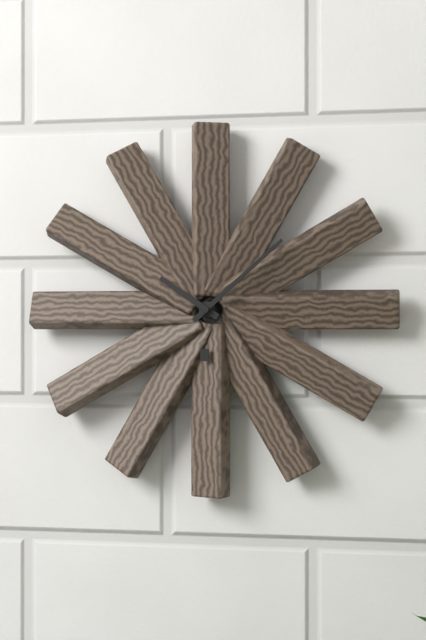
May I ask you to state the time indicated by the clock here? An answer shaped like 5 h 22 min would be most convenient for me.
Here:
10 h 08 min
